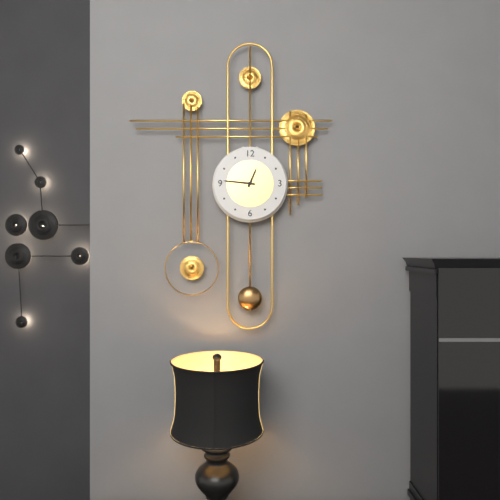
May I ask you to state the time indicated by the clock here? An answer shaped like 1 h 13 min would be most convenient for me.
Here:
12 h 46 min
